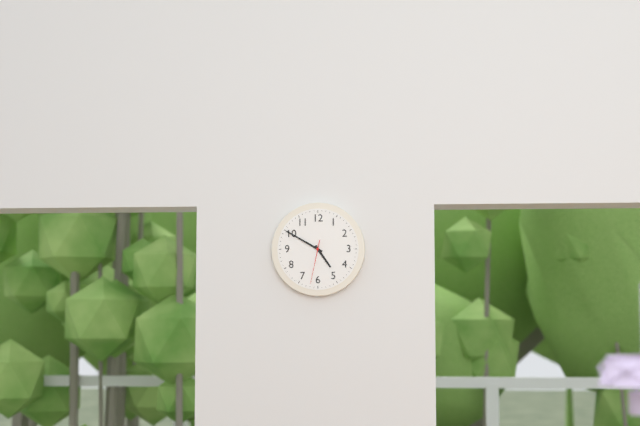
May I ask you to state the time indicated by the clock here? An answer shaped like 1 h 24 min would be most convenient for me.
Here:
4 h 50 min
